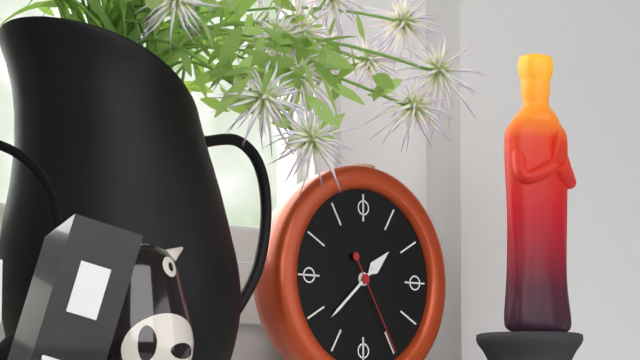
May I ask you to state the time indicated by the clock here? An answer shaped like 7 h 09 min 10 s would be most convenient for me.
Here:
1 h 38 min 25 s
